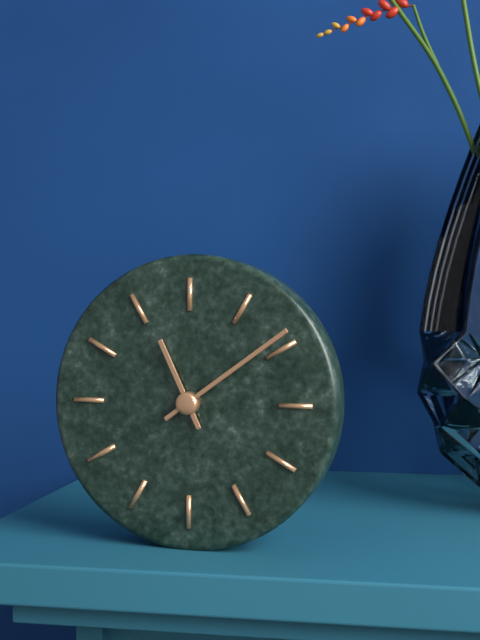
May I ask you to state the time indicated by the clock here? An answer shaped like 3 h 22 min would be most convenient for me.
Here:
11 h 09 min
